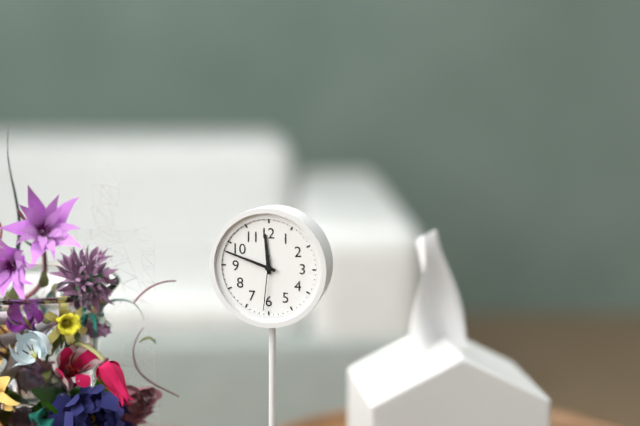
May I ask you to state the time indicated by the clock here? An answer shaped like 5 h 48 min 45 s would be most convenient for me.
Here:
11 h 48 min 31 s
